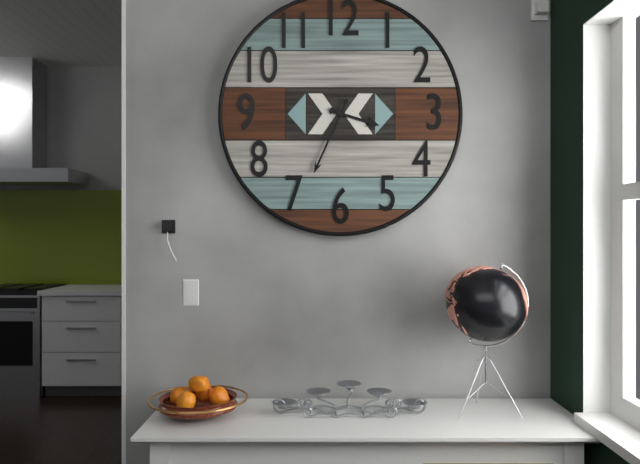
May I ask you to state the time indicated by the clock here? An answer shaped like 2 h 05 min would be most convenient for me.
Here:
3 h 34 min
